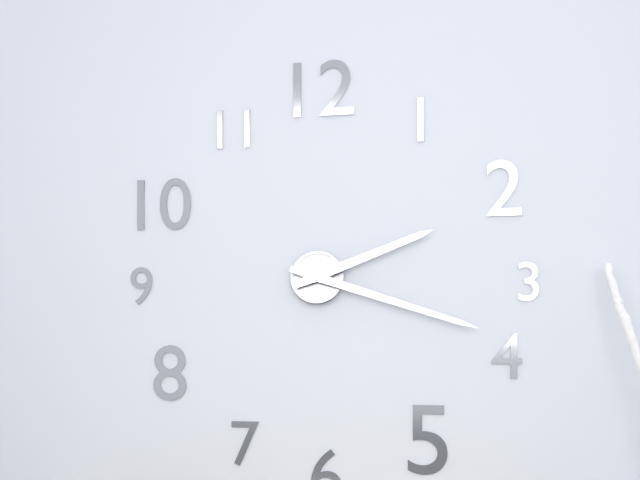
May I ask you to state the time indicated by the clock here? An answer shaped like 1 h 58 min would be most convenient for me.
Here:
2 h 18 min
